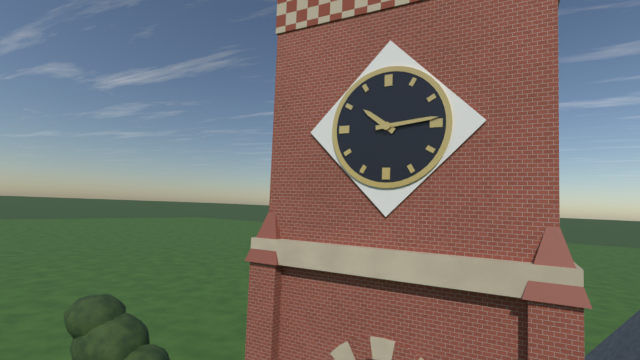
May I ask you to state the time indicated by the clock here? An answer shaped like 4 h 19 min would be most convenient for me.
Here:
10 h 14 min
